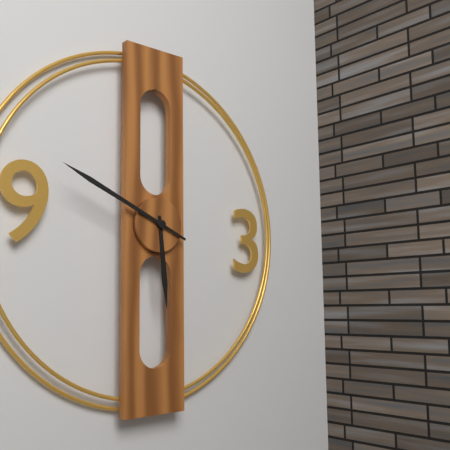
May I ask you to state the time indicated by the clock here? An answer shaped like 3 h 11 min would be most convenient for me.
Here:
5 h 49 min
